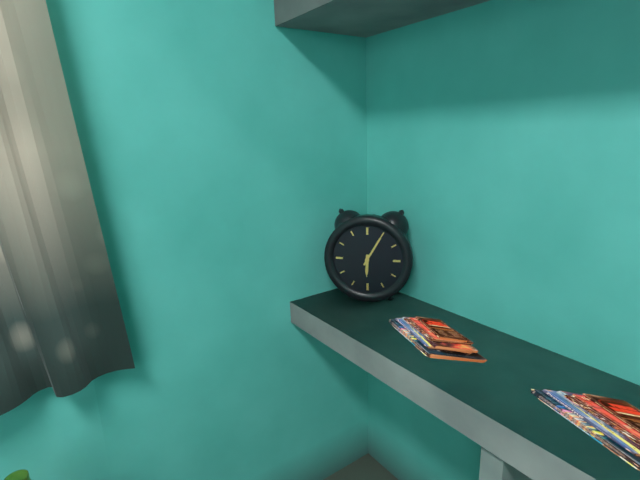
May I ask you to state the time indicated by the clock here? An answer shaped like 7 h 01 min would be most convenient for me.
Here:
6 h 05 min
